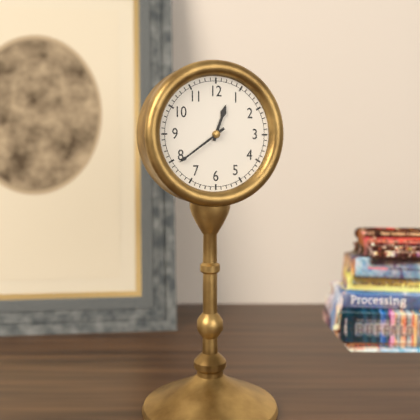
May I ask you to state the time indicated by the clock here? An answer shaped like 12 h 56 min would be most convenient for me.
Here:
12 h 39 min
